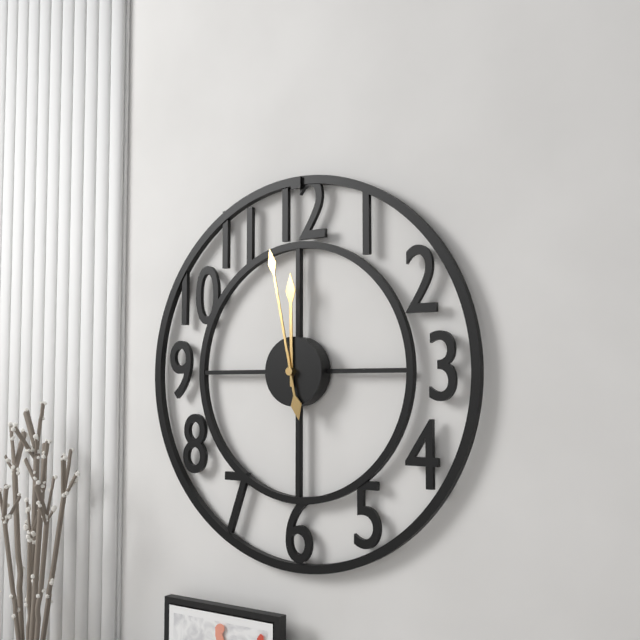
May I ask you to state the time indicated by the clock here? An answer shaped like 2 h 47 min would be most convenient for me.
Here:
11 h 58 min
